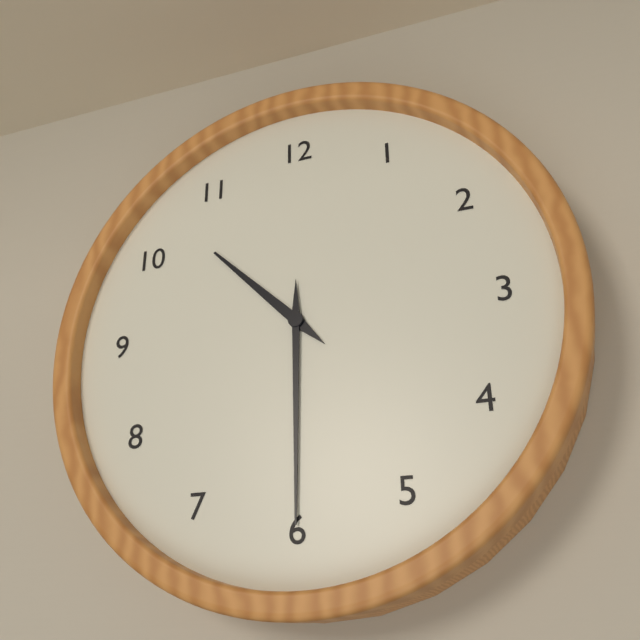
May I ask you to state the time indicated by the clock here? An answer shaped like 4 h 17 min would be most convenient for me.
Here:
10 h 30 min
